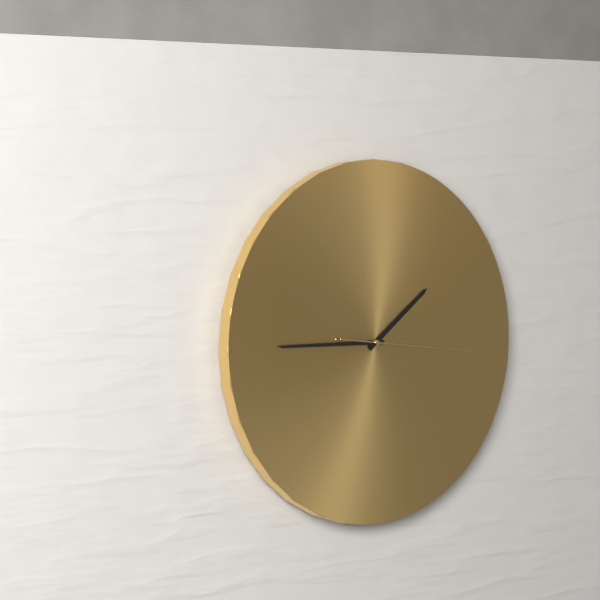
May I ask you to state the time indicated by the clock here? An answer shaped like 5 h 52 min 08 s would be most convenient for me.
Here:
1 h 45 min 16 s
